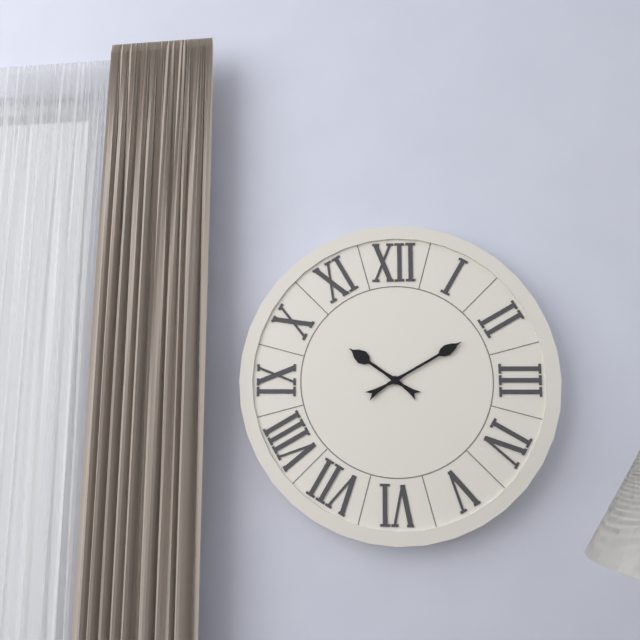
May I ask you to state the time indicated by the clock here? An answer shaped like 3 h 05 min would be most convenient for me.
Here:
10 h 10 min
